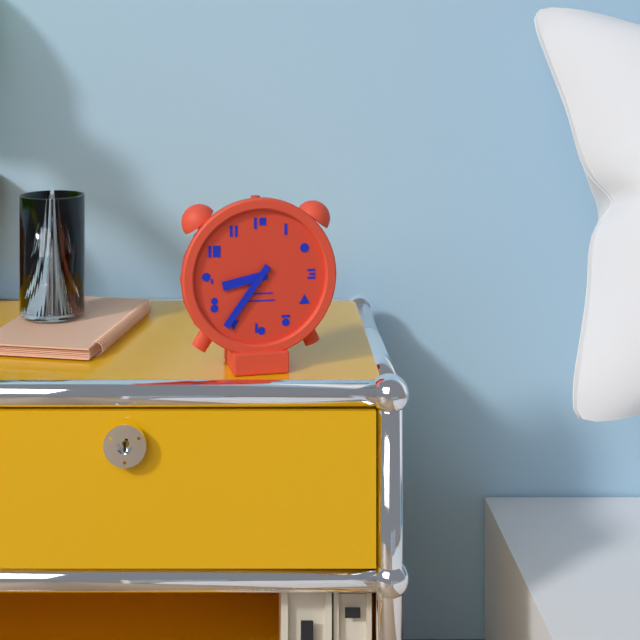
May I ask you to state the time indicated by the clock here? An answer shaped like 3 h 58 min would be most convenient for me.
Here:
8 h 36 min
